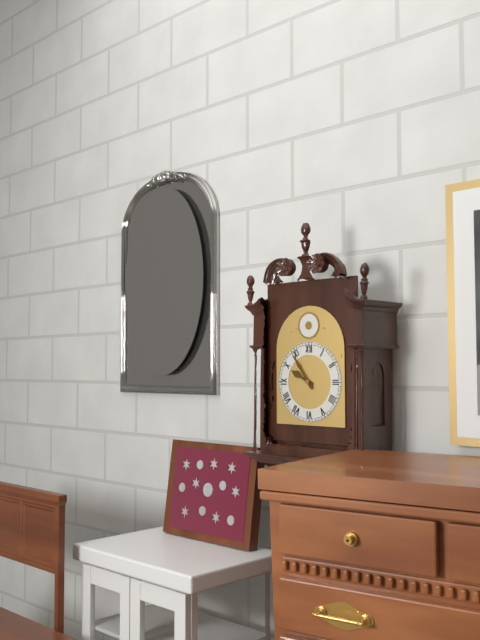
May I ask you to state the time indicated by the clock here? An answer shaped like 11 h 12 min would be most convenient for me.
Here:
9 h 54 min
